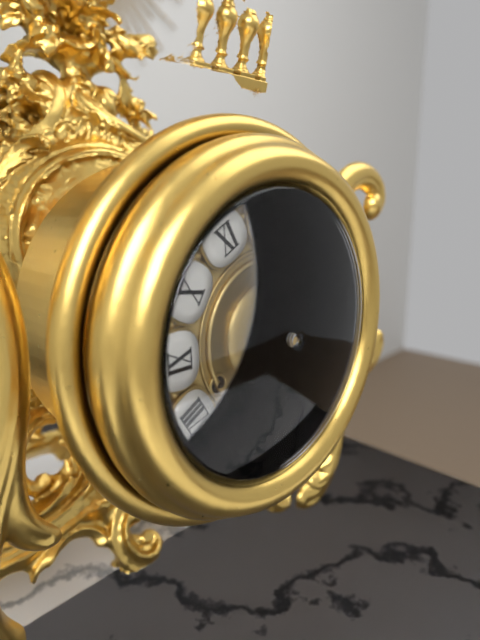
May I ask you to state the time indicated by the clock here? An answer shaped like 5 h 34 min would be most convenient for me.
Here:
3 h 09 min
